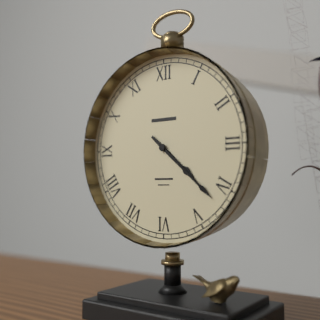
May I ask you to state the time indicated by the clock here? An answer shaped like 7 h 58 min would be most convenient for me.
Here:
4 h 22 min
